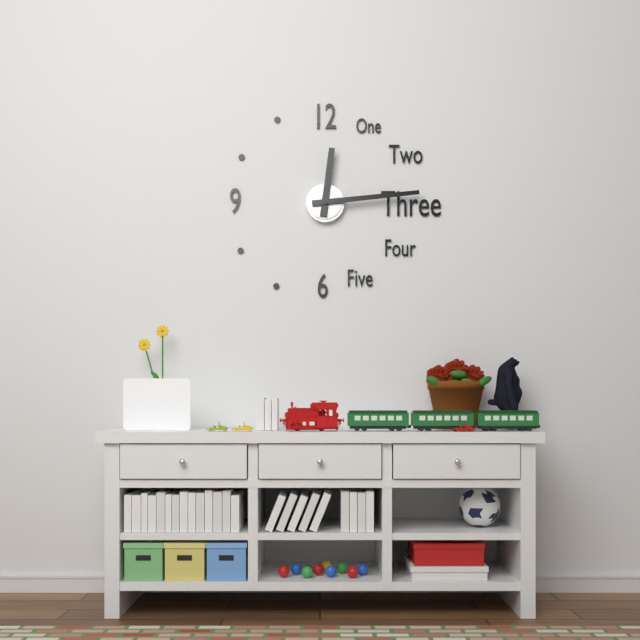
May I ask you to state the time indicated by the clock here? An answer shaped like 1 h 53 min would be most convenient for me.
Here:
12 h 14 min
